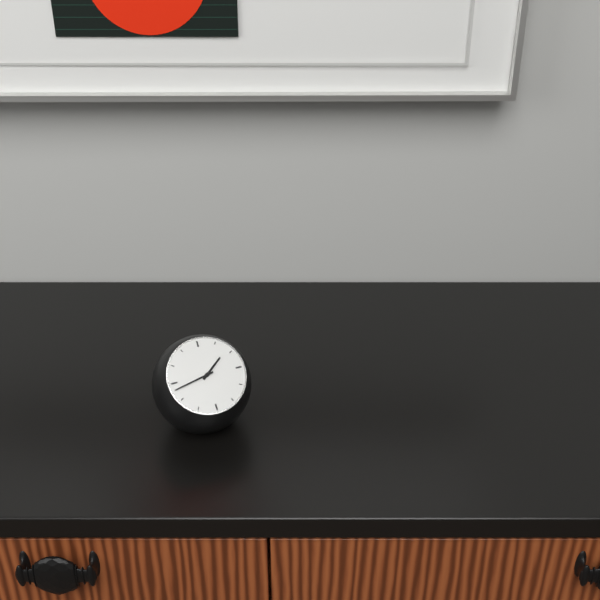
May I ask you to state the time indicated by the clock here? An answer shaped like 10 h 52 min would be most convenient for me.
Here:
1 h 43 min
